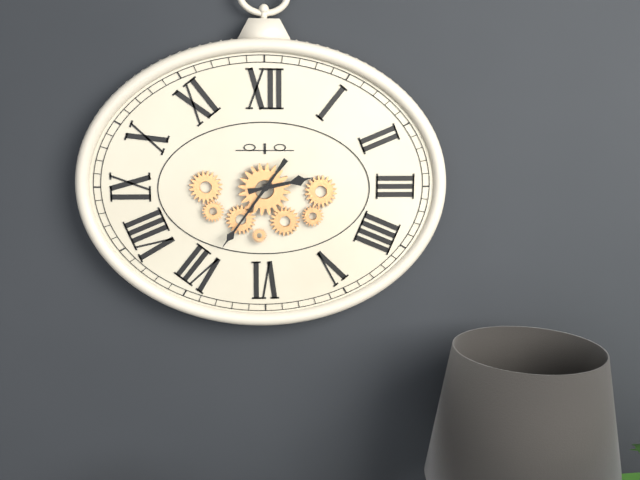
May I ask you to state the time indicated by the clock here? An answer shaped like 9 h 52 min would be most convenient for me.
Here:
2 h 36 min
